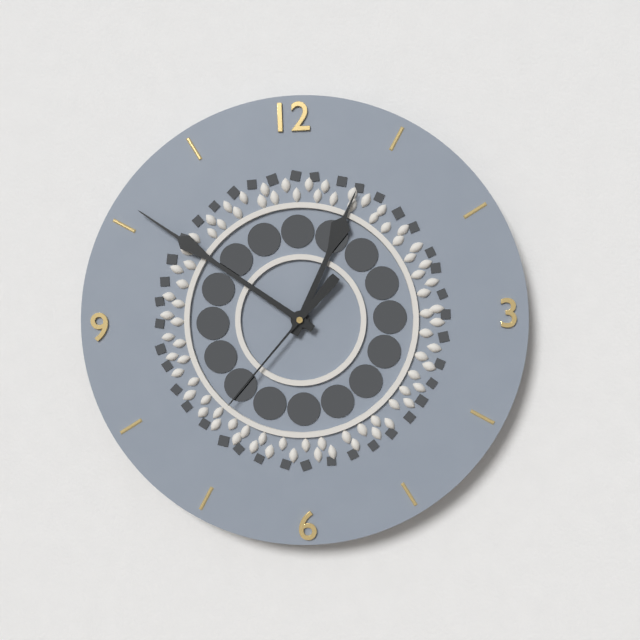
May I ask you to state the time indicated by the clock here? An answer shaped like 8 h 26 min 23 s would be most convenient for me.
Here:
12 h 51 min 37 s
